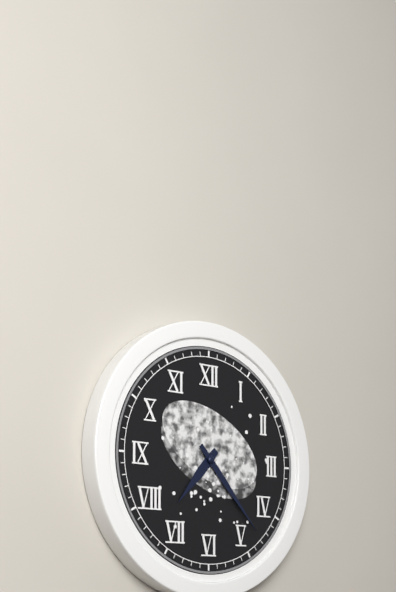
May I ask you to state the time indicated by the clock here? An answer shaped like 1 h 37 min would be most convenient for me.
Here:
7 h 23 min
